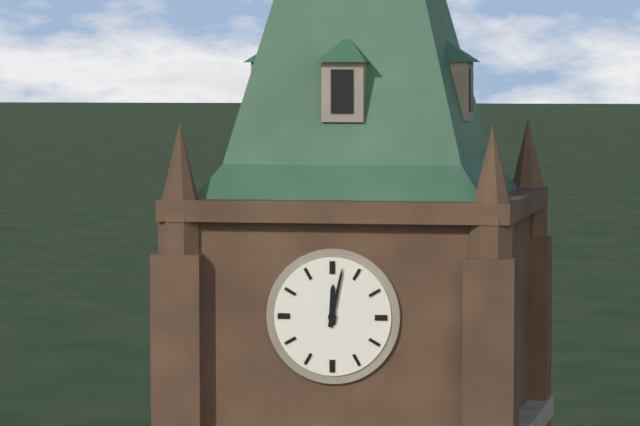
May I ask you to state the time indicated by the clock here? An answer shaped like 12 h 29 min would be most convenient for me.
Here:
12 h 02 min
